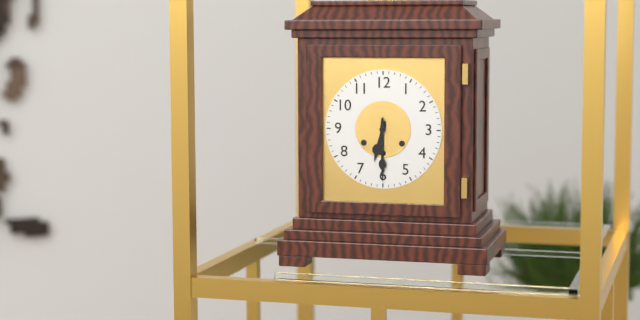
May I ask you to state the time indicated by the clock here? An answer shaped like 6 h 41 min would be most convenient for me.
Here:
6 h 30 min
